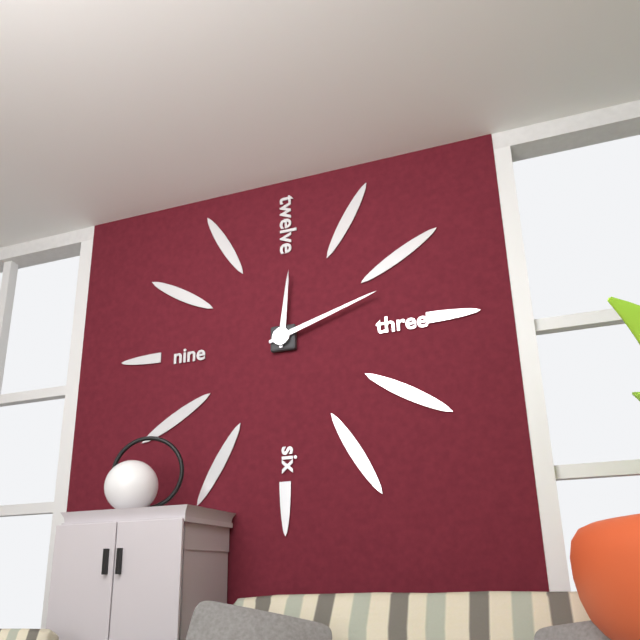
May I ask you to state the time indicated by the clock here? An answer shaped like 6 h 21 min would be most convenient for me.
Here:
12 h 12 min
